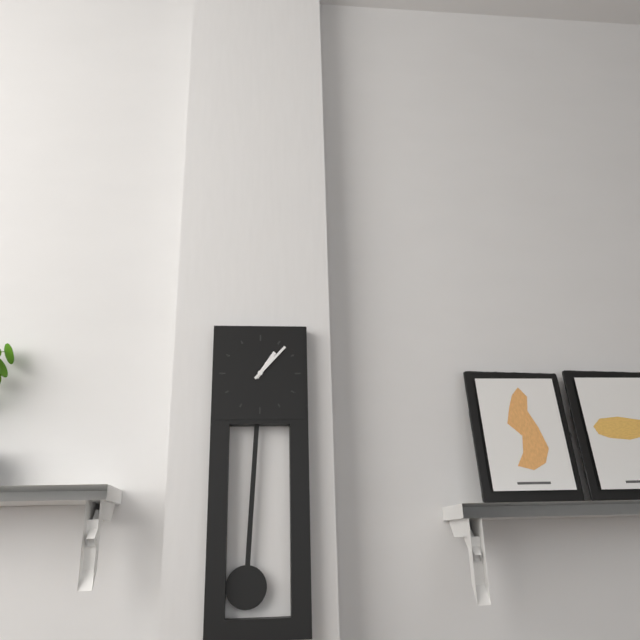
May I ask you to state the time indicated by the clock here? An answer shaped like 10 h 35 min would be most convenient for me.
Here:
1 h 07 min
